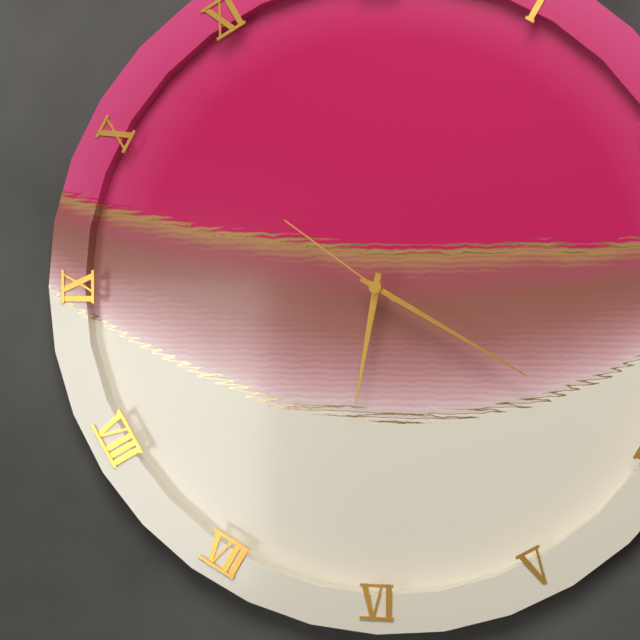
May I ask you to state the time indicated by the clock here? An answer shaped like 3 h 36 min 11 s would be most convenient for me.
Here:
6 h 20 min 51 s
